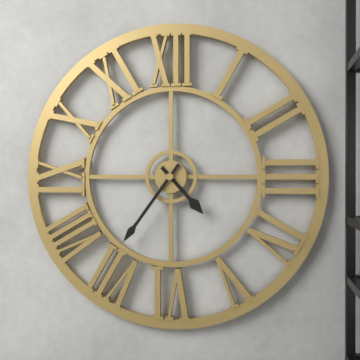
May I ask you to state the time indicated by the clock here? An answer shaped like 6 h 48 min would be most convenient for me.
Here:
4 h 36 min
